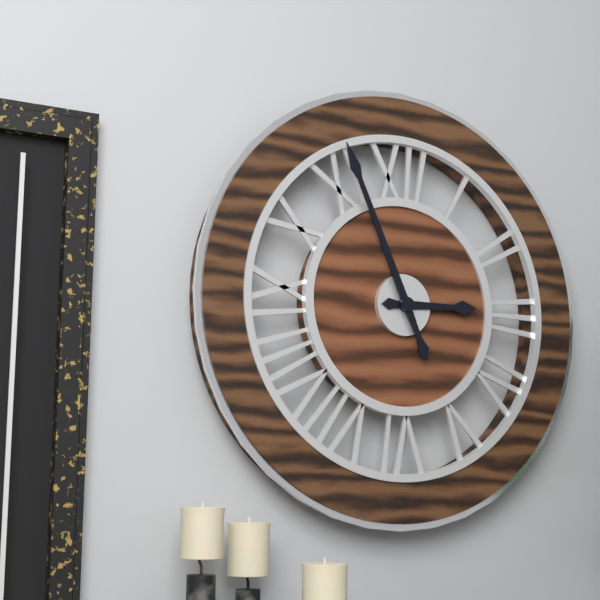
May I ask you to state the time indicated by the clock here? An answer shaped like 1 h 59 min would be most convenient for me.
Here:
2 h 56 min
